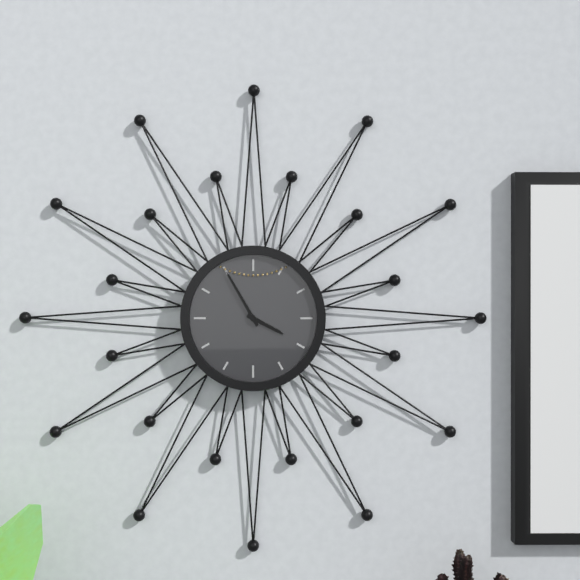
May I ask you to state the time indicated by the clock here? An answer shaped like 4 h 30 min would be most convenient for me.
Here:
3 h 55 min
